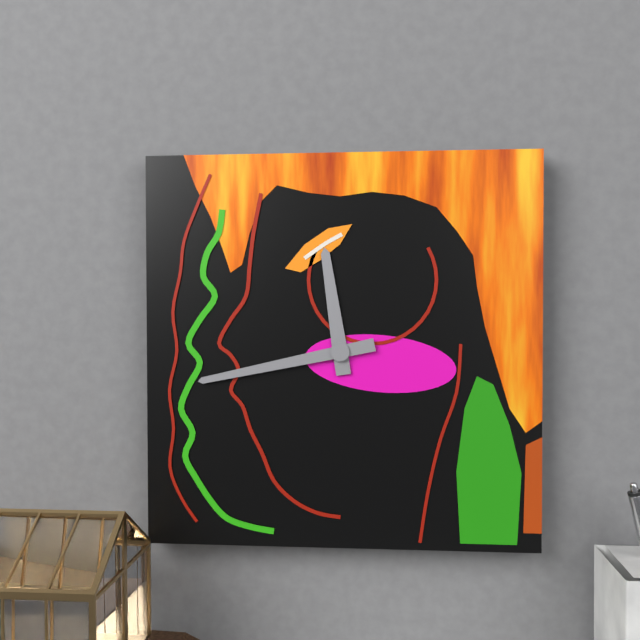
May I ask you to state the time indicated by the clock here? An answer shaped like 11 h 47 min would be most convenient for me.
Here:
11 h 43 min
